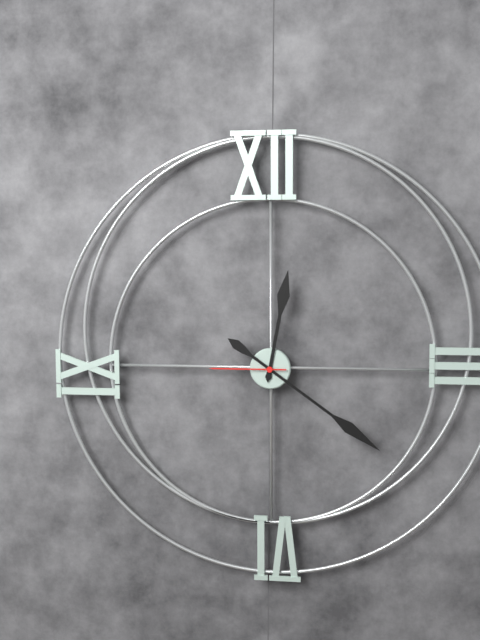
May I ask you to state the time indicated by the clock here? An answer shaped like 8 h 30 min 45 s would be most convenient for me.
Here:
12 h 21 min 45 s
